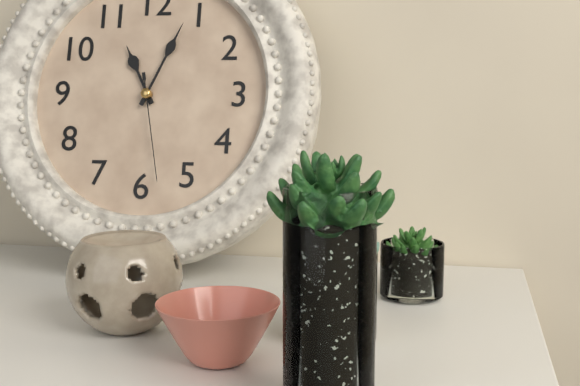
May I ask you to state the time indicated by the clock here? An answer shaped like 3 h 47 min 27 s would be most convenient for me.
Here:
11 h 04 min 28 s
